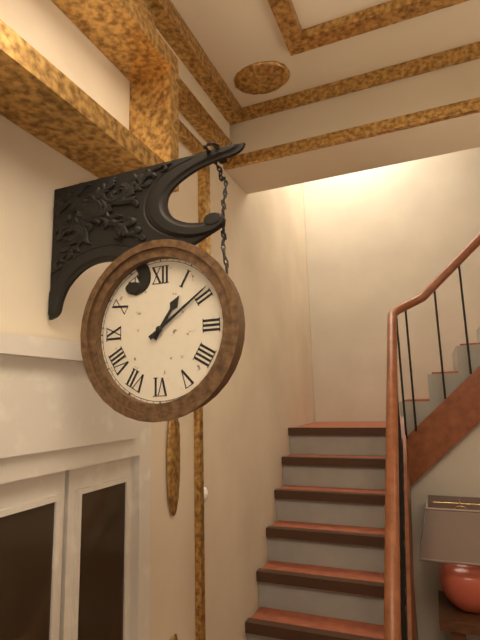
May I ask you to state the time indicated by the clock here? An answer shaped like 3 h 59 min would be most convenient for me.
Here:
1 h 09 min
